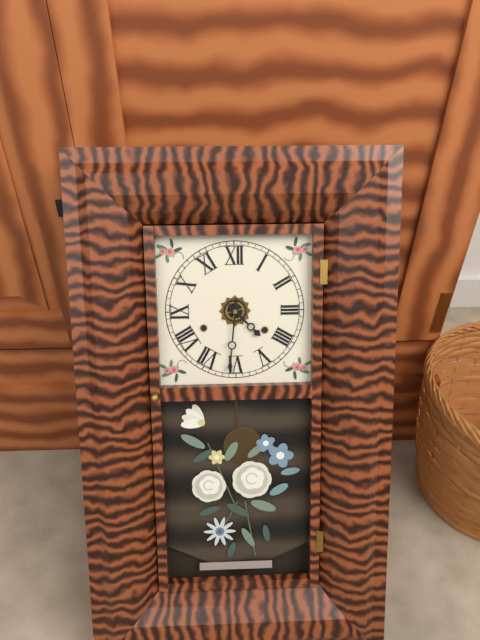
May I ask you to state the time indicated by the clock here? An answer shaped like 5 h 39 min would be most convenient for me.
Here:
4 h 31 min
